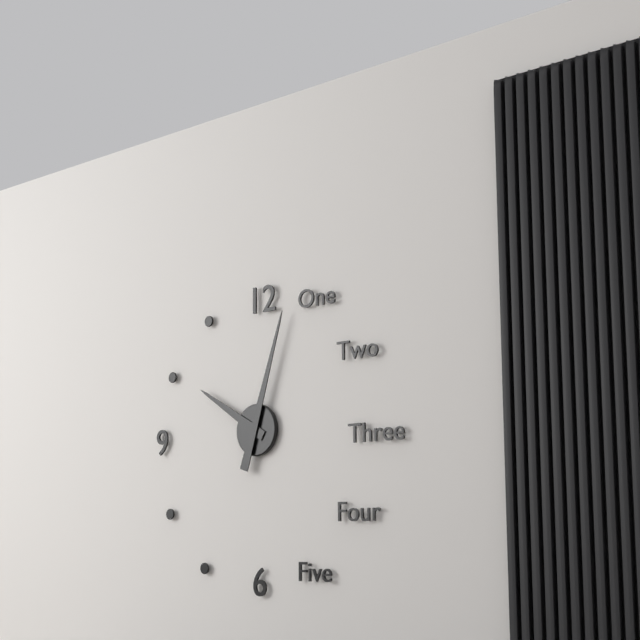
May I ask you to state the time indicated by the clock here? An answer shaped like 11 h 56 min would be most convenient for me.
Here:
10 h 03 min
